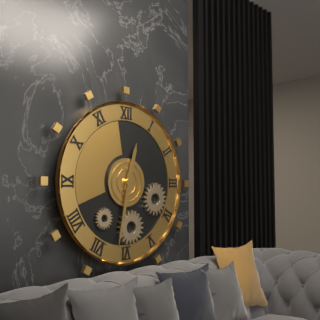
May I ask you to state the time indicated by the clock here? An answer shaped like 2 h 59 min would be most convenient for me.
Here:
12 h 32 min
